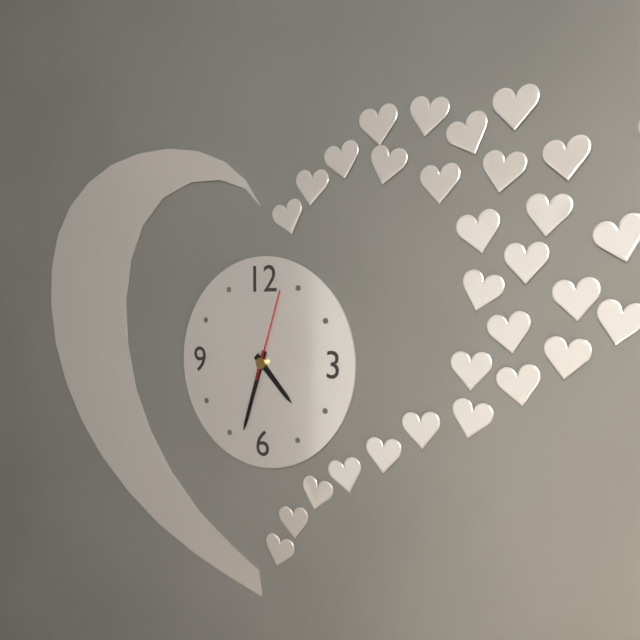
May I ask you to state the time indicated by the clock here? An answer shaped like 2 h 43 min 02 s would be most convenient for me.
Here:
4 h 33 min 03 s
